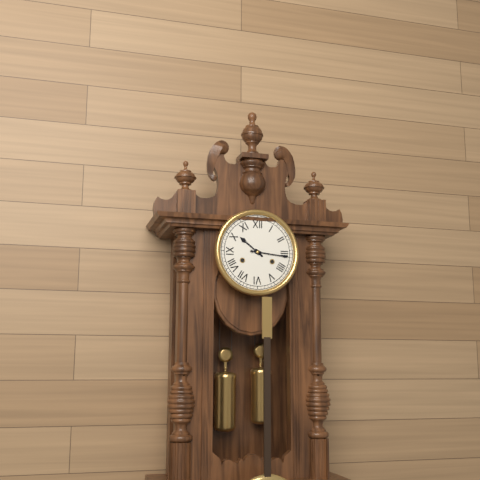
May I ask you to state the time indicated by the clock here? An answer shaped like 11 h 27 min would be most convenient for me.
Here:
10 h 16 min
